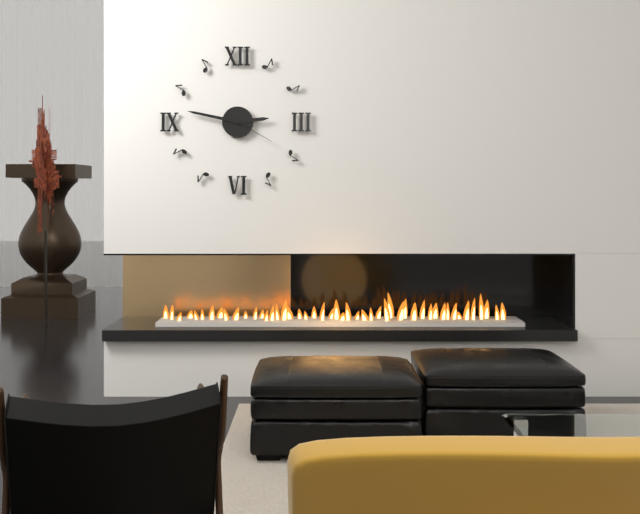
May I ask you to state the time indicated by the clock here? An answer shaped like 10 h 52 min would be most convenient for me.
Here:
2 h 47 min
